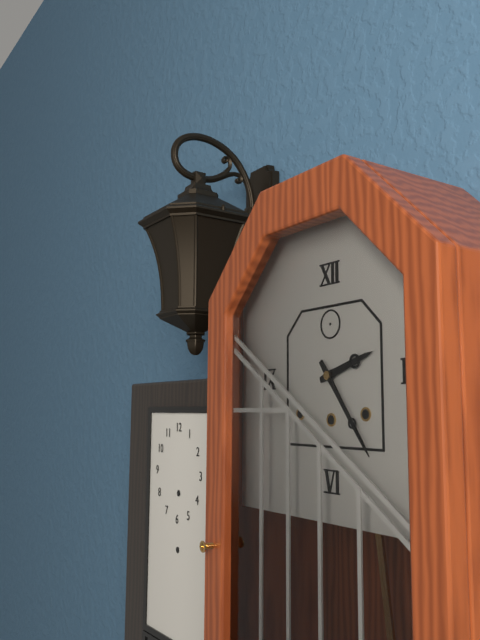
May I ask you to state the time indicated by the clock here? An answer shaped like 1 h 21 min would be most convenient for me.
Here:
2 h 24 min
